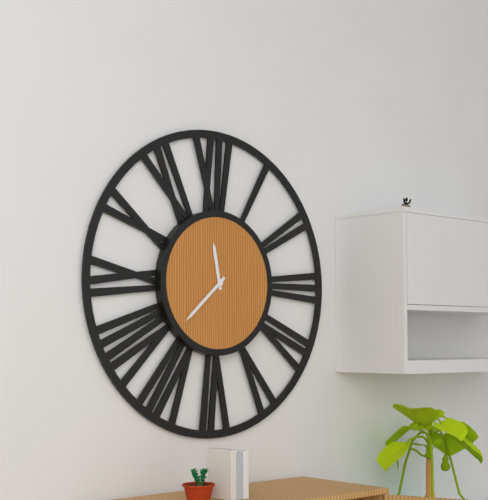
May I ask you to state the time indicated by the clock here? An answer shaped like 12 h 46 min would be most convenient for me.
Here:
11 h 38 min
